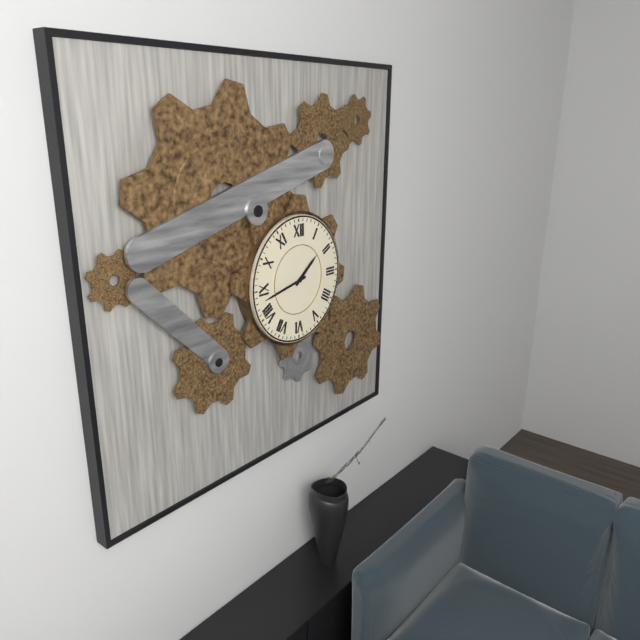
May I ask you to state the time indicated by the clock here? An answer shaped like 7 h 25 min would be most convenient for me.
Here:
1 h 43 min
